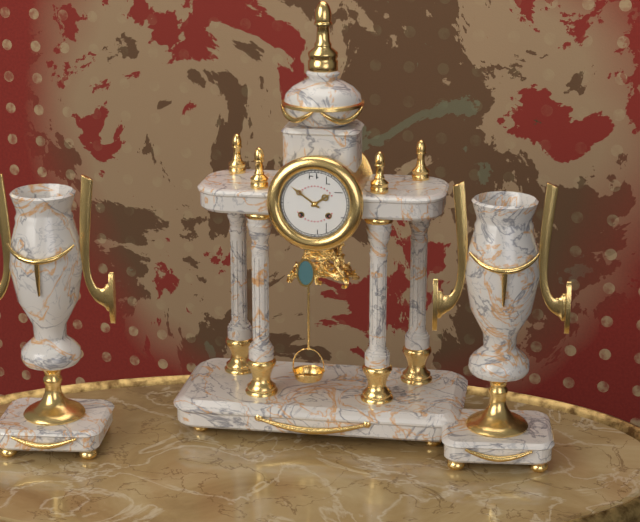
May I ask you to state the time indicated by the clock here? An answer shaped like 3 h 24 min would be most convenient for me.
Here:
1 h 51 min
